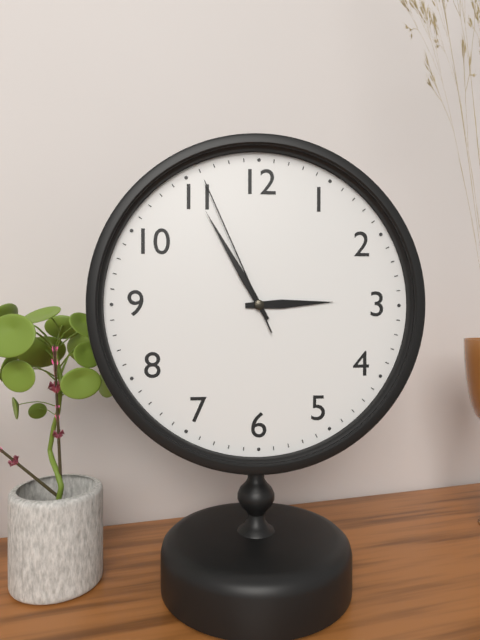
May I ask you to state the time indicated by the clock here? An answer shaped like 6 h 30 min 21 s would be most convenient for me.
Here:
2 h 55 min 56 s
